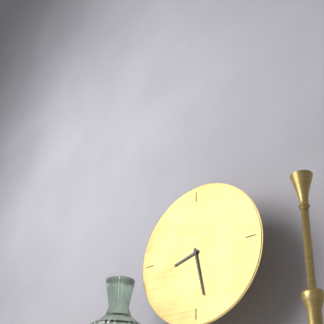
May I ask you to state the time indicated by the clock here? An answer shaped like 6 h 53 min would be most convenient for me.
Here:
8 h 28 min
